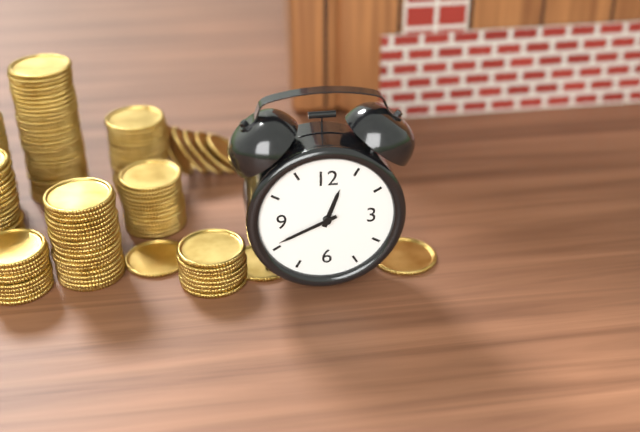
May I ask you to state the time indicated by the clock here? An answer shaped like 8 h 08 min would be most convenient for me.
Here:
12 h 41 min
